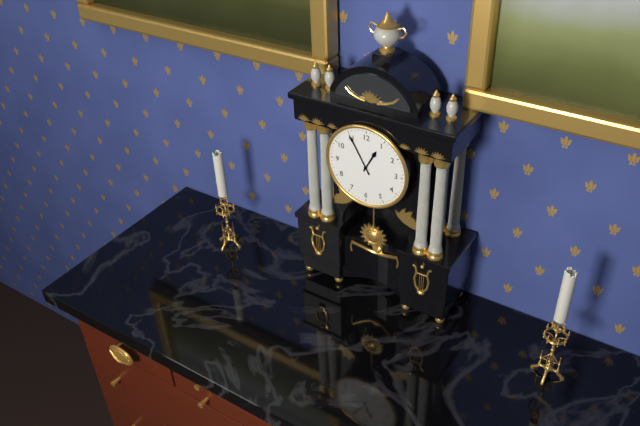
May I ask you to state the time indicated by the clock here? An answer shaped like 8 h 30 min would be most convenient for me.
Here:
12 h 55 min
